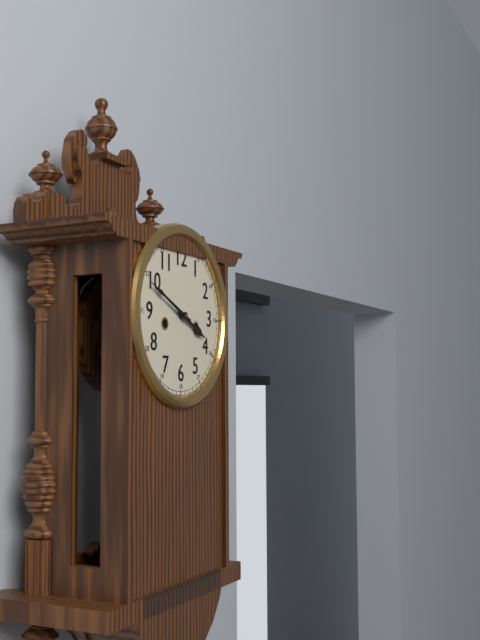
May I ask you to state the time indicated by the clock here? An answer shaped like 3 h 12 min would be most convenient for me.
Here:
3 h 49 min
